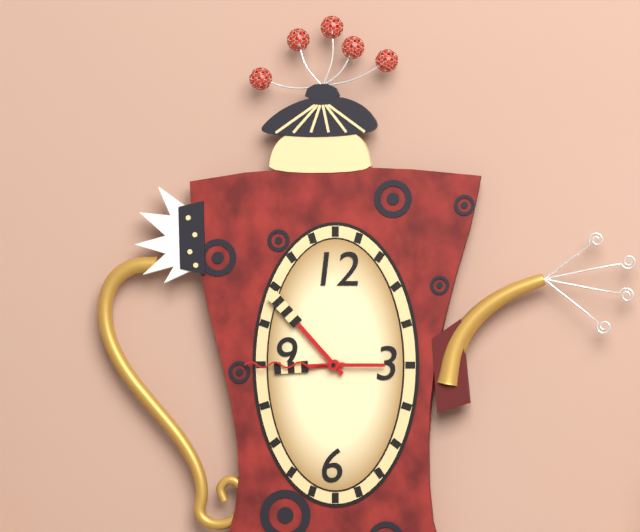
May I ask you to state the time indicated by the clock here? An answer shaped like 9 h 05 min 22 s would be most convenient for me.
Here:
8 h 53 min 45 s
